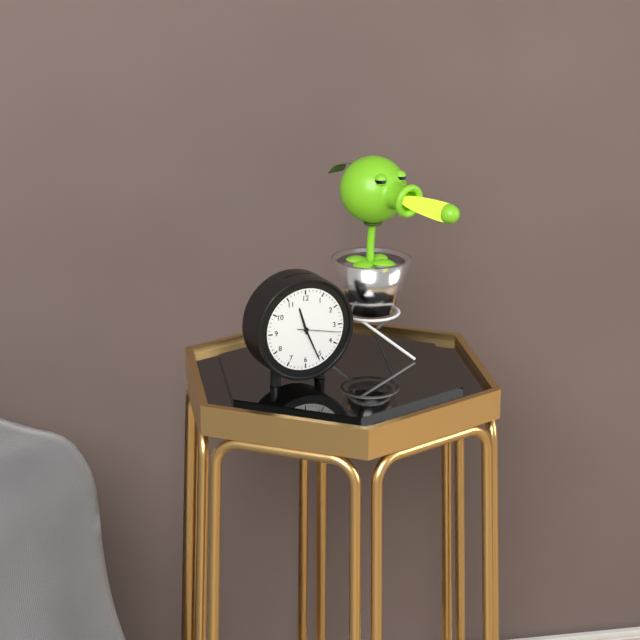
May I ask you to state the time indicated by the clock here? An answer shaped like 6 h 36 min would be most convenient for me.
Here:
11 h 26 min
